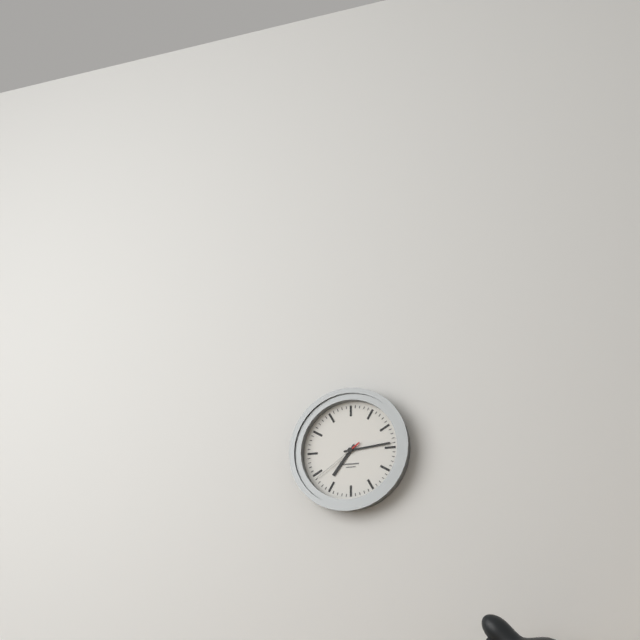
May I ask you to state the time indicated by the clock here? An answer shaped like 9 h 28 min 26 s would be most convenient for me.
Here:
7 h 14 min 39 s
